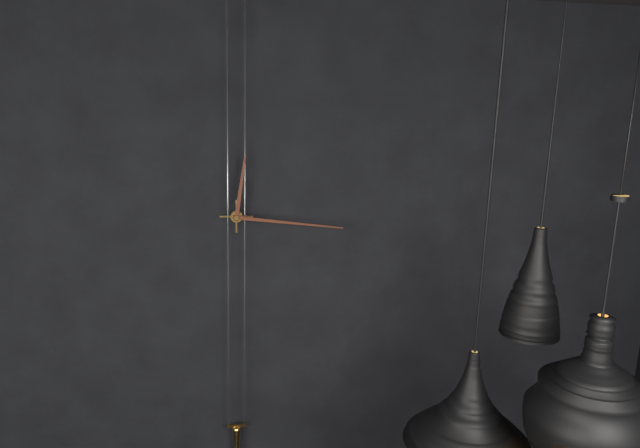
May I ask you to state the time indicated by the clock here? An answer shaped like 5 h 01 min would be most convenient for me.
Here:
12 h 16 min
